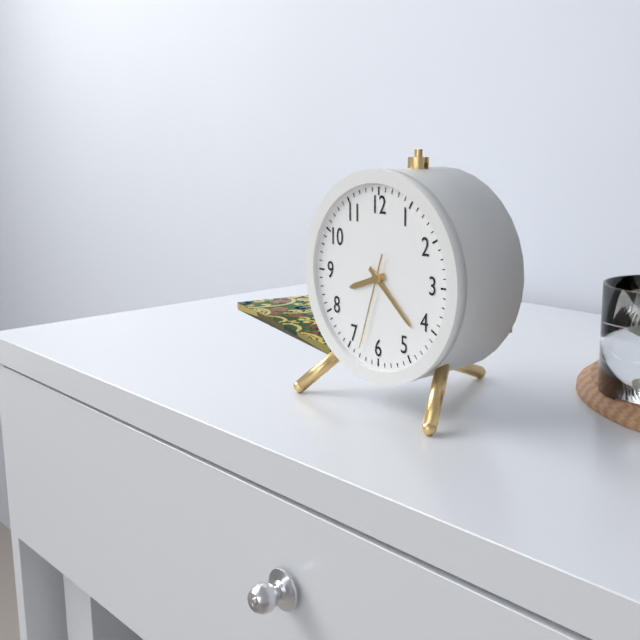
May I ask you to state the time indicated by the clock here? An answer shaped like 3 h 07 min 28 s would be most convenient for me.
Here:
8 h 22 min 33 s
